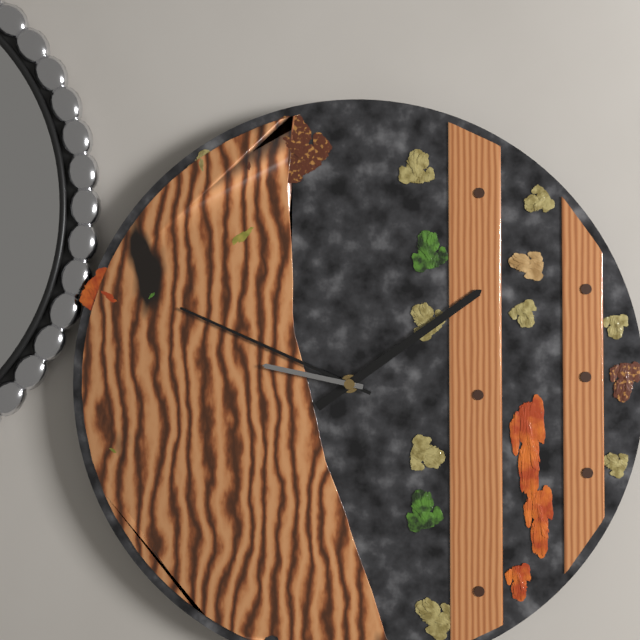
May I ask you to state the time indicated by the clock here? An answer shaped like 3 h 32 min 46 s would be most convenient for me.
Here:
1 h 49 min 47 s
